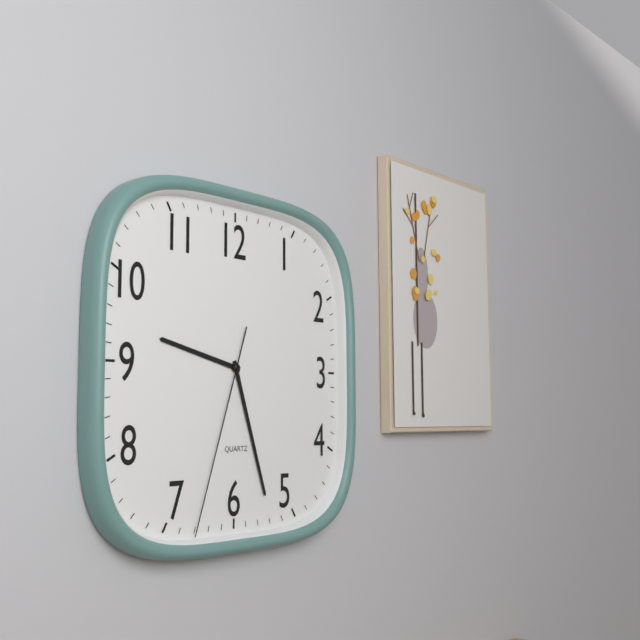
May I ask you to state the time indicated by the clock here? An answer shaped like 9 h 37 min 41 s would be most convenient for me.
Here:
9 h 27 min 33 s
